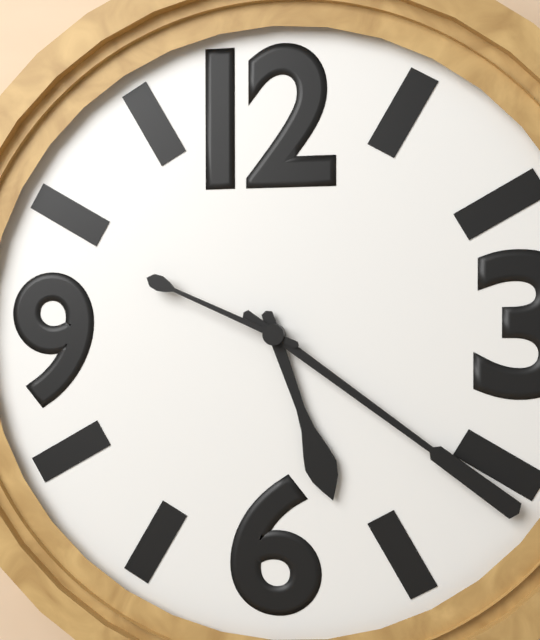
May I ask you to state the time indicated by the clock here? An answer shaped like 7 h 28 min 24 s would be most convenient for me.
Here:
5 h 21 min 49 s
